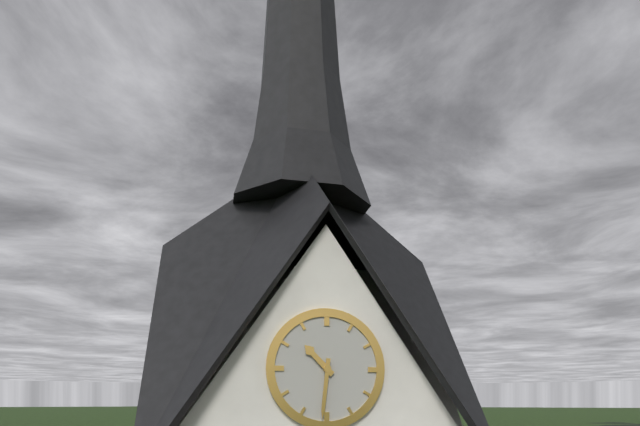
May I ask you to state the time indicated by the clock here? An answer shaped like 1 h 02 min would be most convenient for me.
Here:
10 h 31 min
